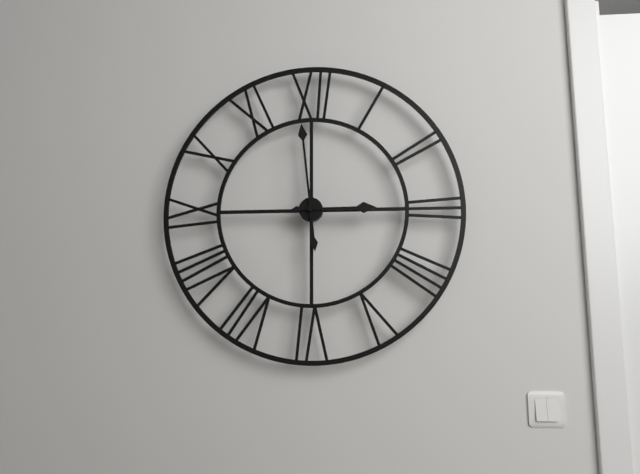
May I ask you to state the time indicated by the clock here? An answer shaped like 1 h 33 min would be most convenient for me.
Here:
2 h 59 min
